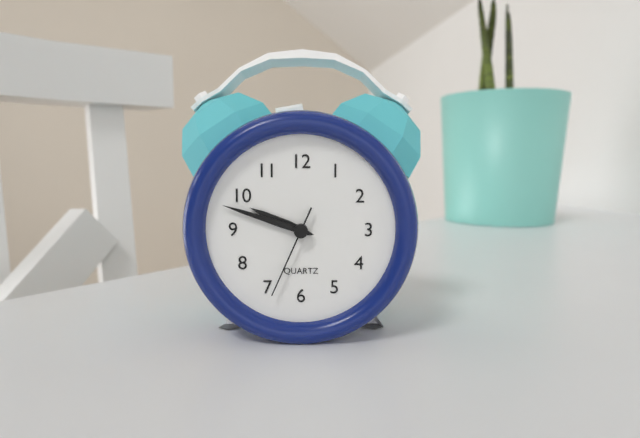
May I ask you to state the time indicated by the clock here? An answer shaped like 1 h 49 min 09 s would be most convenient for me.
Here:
9 h 48 min 34 s
